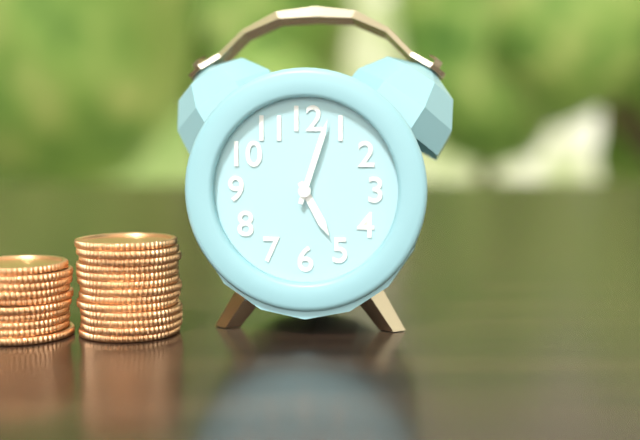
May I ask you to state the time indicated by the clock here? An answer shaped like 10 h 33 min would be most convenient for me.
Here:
5 h 03 min
